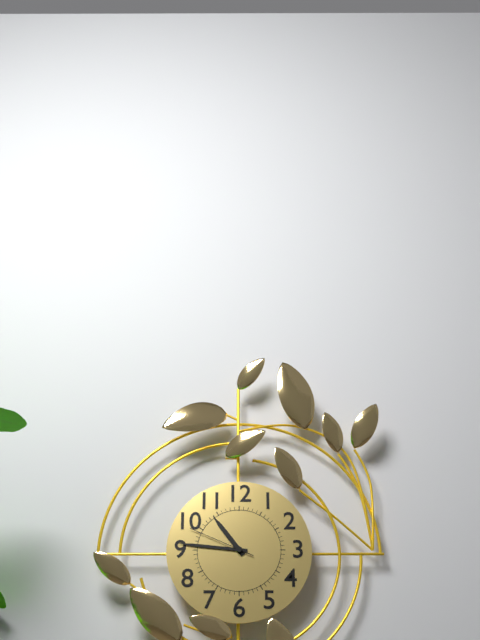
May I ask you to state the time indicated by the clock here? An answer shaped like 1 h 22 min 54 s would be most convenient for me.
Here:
10 h 46 min 49 s
